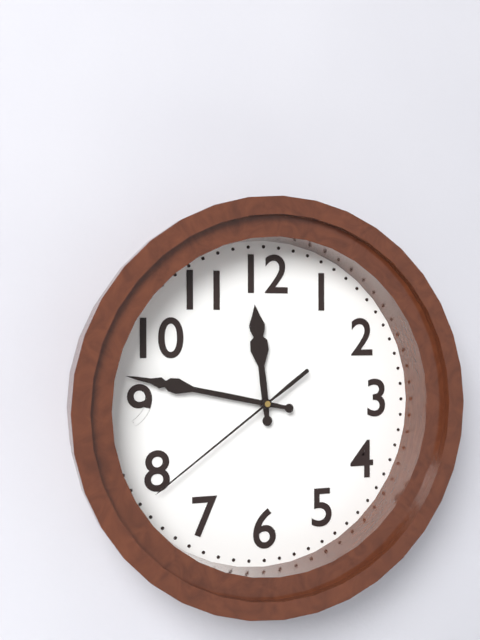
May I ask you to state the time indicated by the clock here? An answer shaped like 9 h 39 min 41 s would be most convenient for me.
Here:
11 h 47 min 39 s
